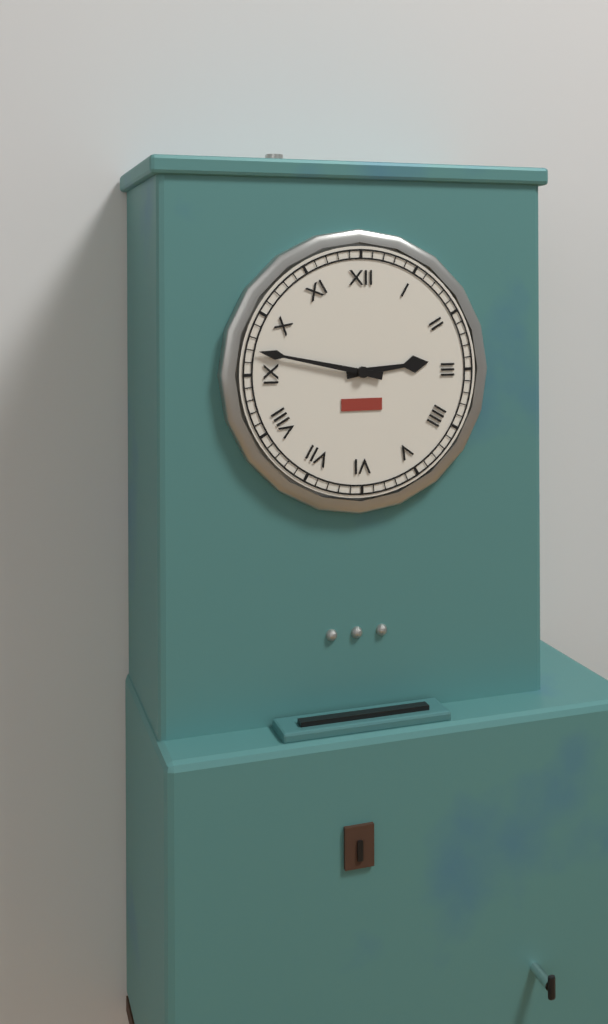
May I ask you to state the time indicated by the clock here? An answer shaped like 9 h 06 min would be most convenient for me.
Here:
2 h 47 min
